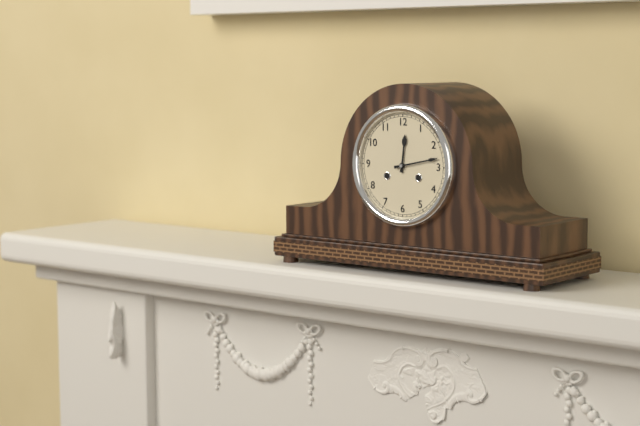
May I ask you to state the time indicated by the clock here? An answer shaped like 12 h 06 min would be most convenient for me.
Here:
12 h 13 min
